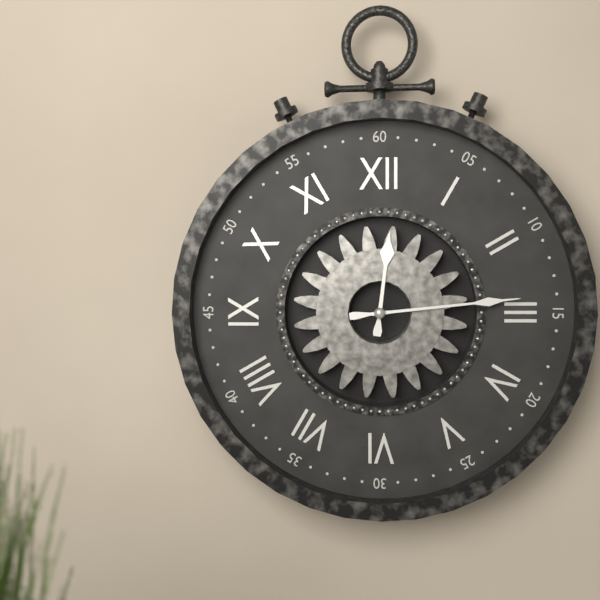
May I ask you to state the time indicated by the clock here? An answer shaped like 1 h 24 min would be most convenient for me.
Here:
12 h 14 min
